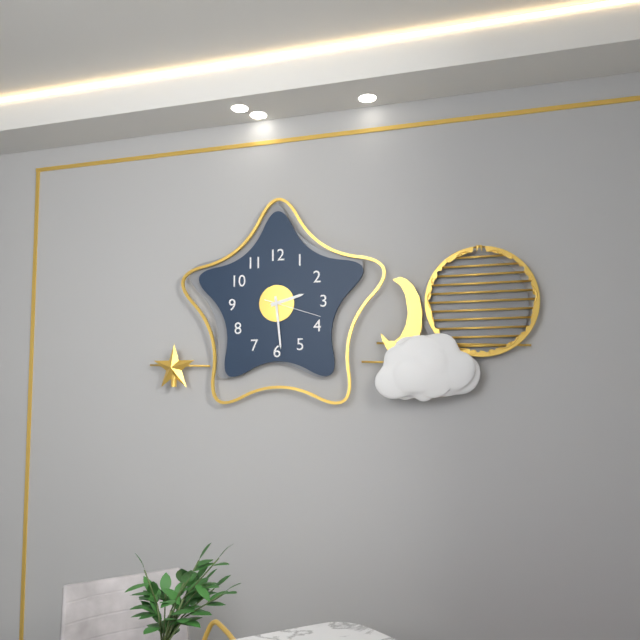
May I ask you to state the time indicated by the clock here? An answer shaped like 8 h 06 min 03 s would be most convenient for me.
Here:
2 h 29 min 18 s
